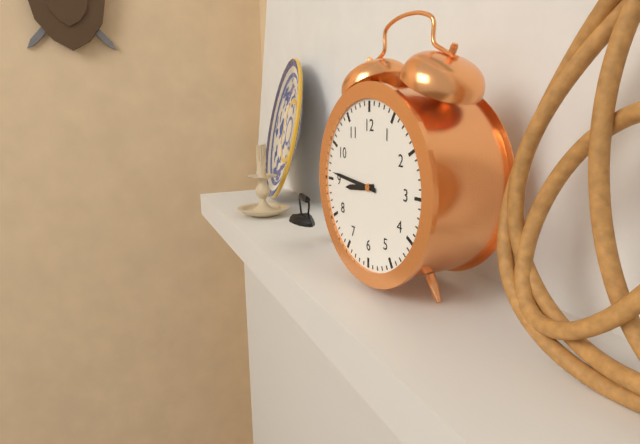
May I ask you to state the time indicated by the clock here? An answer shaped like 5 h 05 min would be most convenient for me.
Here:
8 h 46 min
